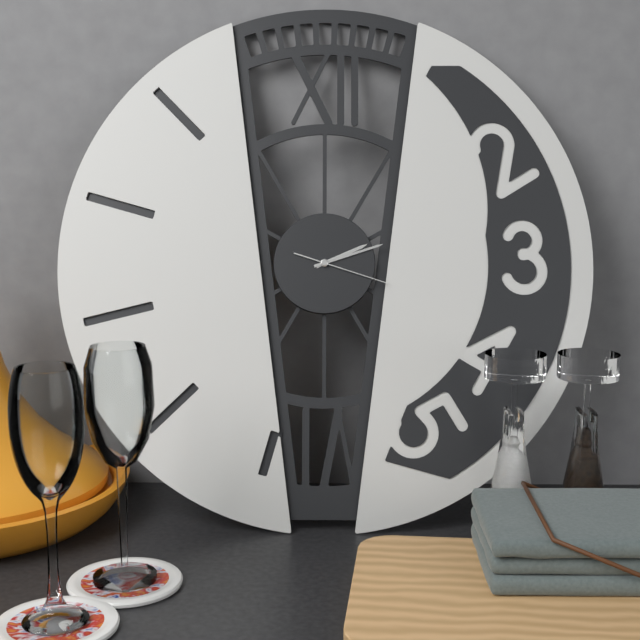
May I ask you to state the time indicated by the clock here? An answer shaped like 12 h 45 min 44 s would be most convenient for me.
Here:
2 h 12 min 18 s
